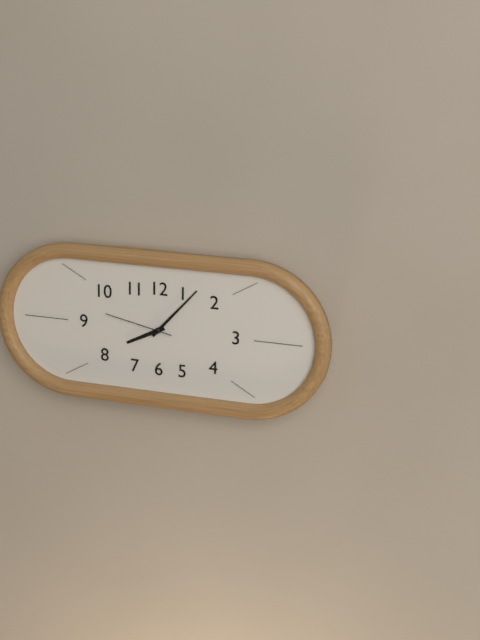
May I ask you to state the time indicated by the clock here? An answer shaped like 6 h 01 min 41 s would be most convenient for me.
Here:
8 h 07 min 47 s
